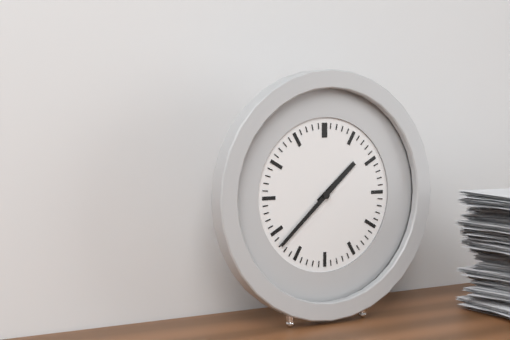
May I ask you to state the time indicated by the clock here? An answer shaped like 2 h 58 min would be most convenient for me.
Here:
1 h 38 min
